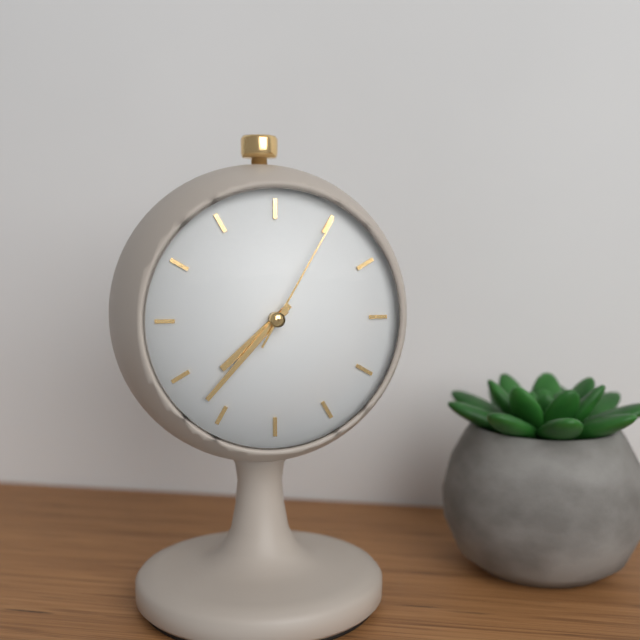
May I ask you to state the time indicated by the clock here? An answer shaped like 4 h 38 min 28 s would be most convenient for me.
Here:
7 h 37 min 05 s
